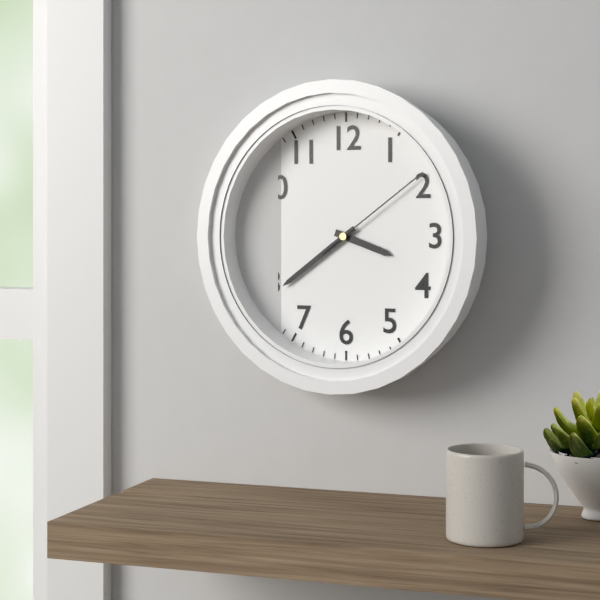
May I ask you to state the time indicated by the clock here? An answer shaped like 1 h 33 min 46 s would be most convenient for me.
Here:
3 h 39 min 09 s
